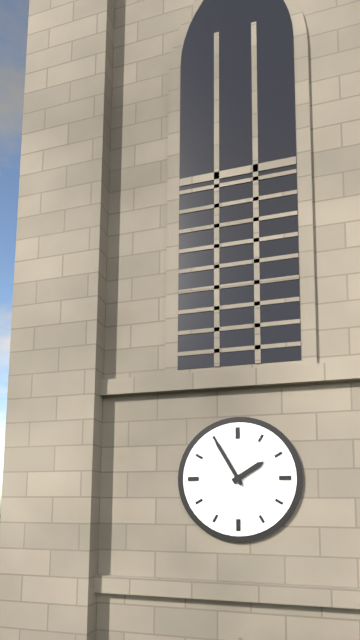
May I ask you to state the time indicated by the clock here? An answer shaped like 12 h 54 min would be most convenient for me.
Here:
1 h 55 min
